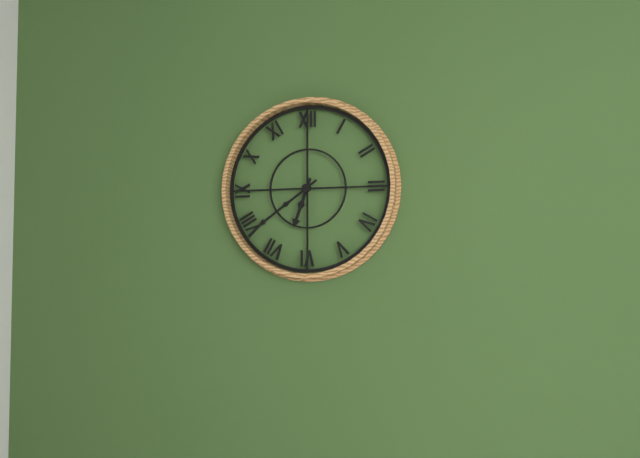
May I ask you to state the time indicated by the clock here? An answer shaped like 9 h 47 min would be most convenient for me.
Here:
6 h 39 min
